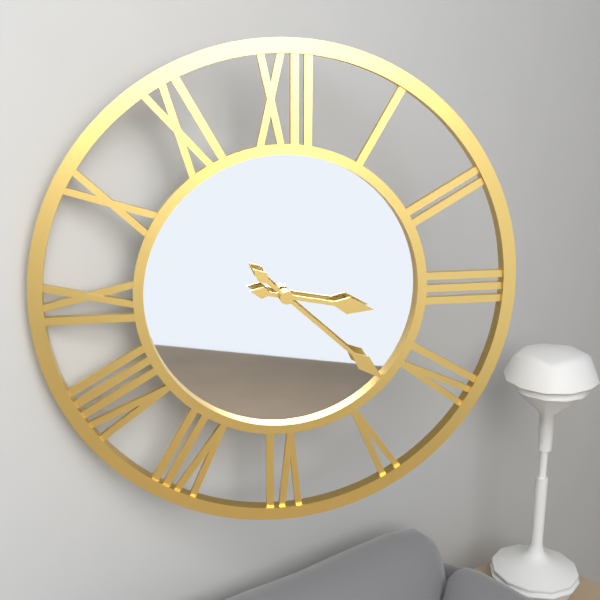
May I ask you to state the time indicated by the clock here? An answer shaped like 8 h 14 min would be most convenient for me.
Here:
3 h 22 min
